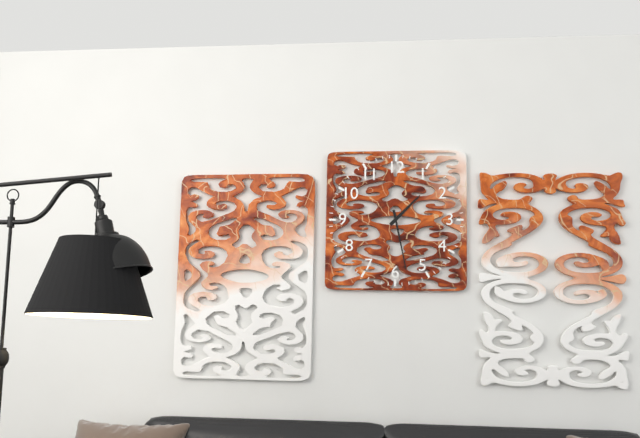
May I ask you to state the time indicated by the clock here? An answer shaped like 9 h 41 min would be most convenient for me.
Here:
1 h 28 min
